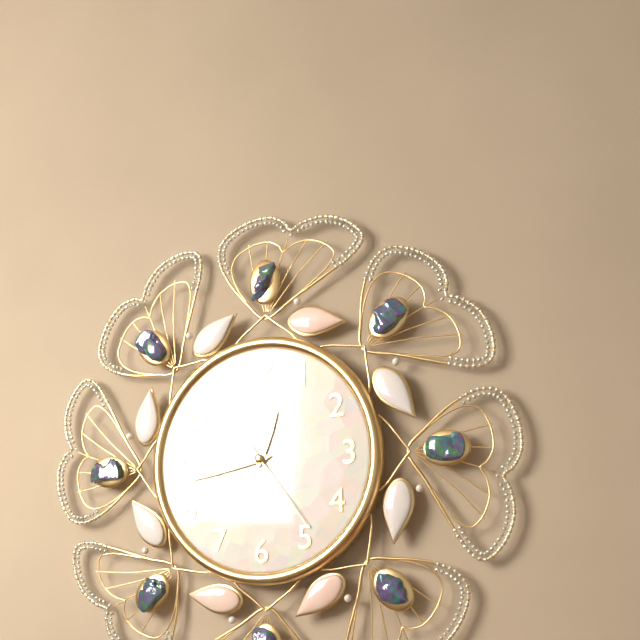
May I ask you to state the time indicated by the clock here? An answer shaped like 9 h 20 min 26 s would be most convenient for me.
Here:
12 h 43 min 24 s
